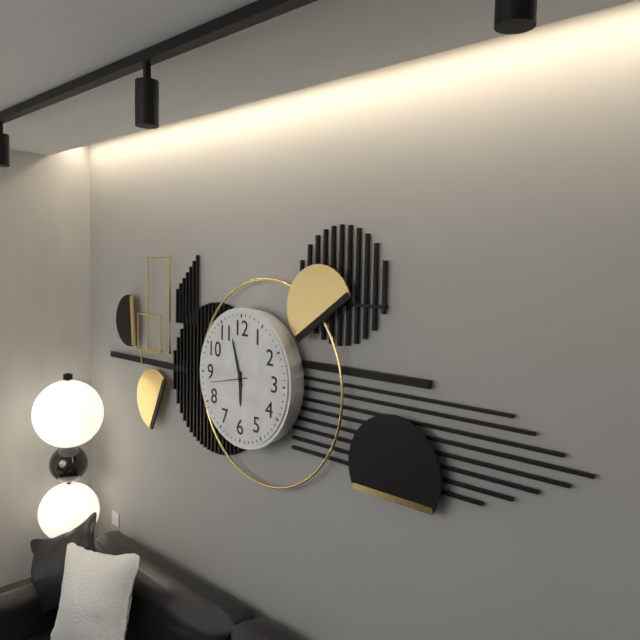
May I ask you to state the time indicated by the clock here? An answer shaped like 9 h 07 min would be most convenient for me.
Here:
5 h 57 min
